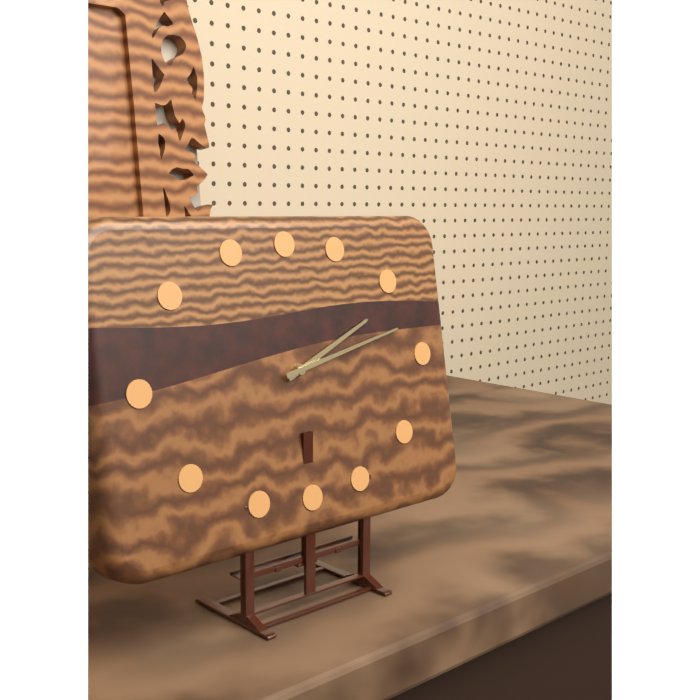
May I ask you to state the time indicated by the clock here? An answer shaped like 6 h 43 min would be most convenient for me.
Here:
2 h 13 min
